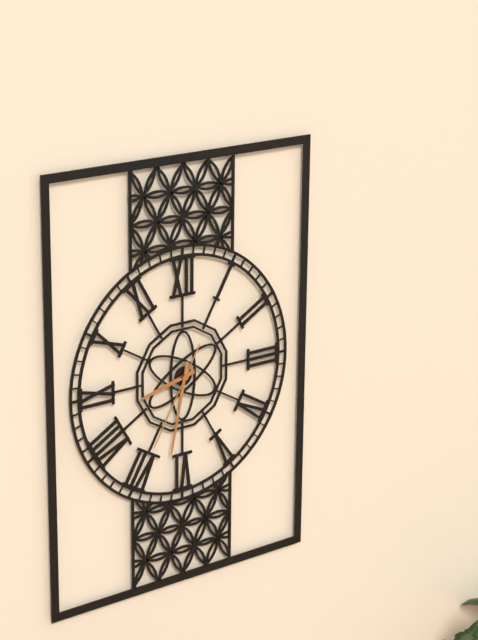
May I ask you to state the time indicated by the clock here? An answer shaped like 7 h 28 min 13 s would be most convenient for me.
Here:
8 h 32 min 35 s
